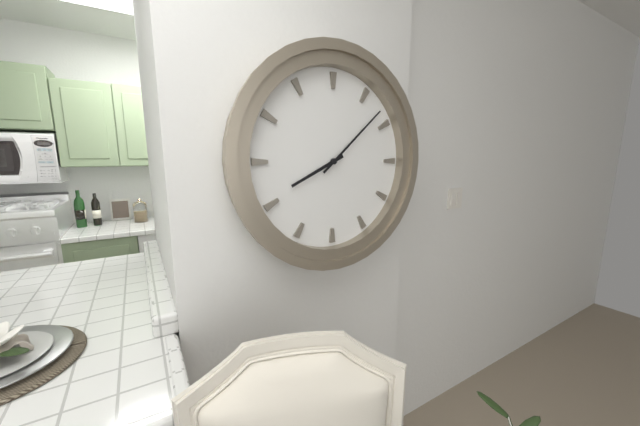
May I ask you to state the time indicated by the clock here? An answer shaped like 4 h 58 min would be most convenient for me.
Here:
8 h 08 min
